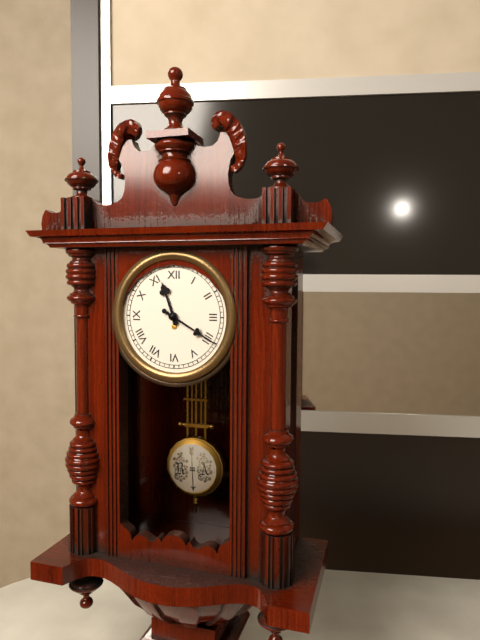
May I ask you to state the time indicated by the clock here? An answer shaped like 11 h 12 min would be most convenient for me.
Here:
11 h 20 min
